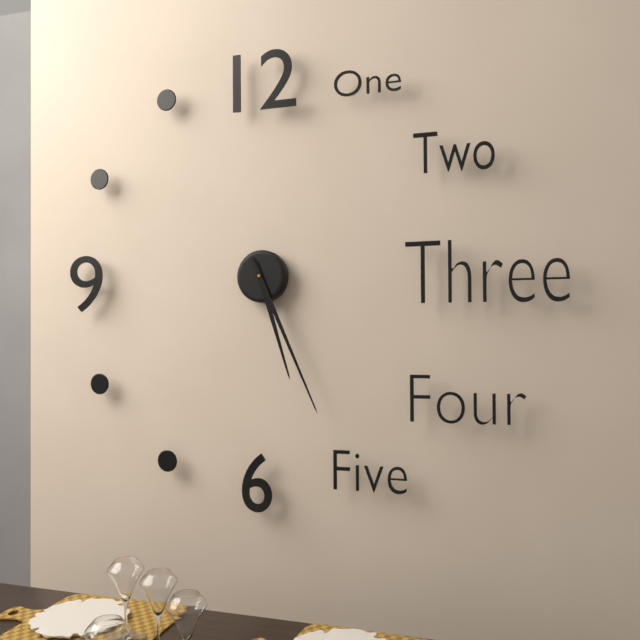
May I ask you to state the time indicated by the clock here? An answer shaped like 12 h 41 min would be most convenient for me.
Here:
5 h 26 min
